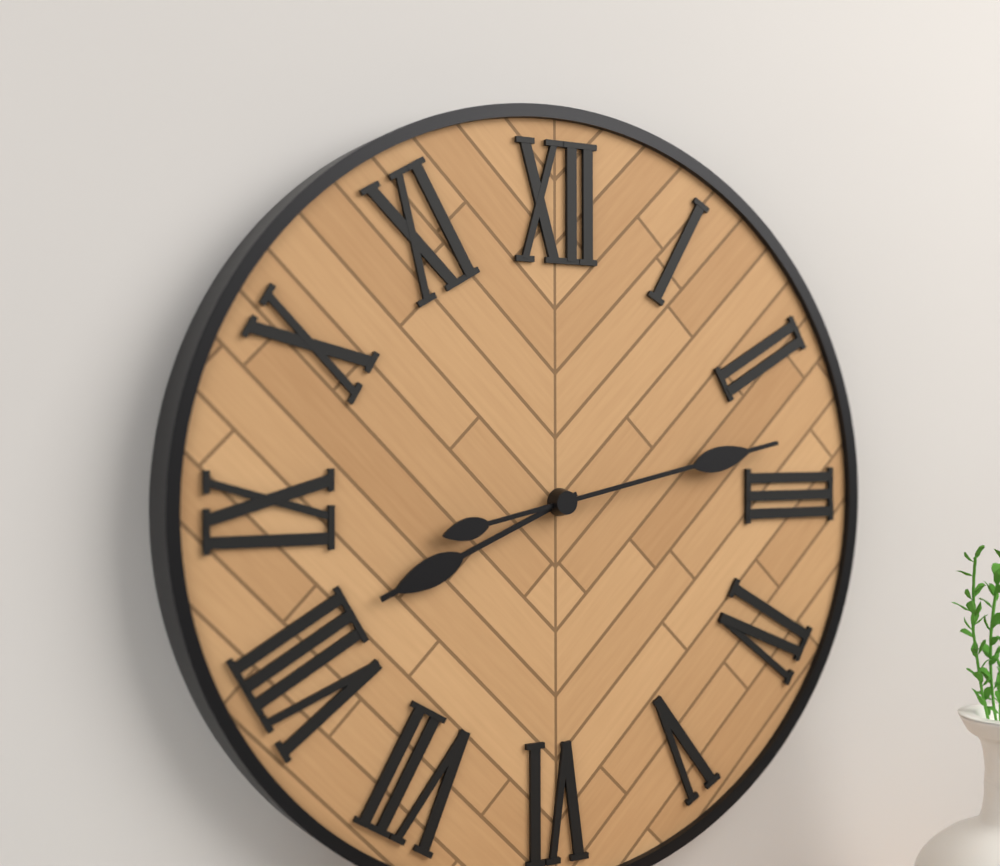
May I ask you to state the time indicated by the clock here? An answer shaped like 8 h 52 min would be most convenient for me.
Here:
8 h 13 min
